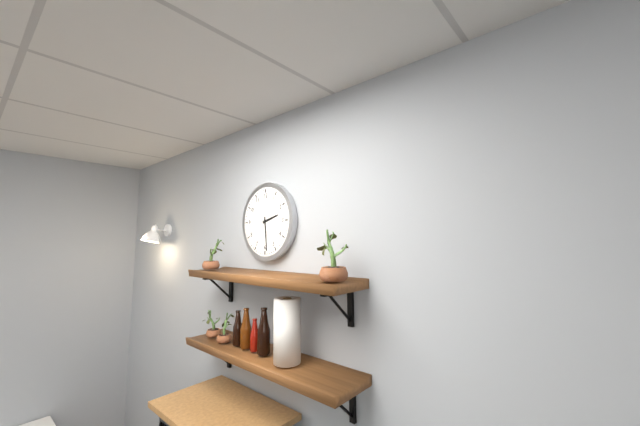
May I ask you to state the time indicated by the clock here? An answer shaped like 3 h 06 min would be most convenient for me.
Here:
2 h 29 min
